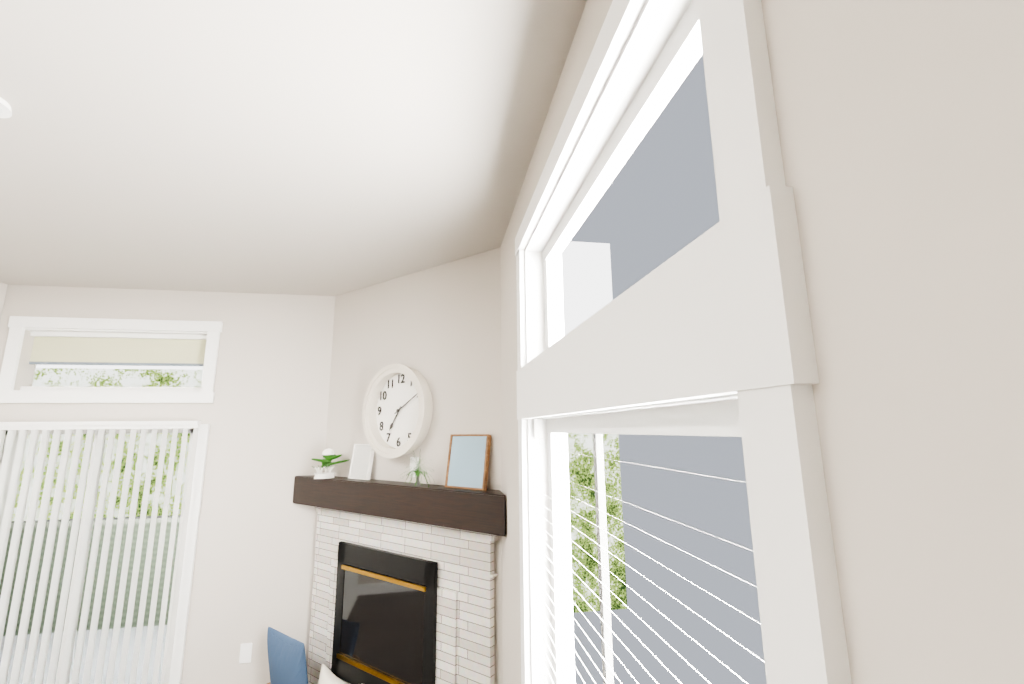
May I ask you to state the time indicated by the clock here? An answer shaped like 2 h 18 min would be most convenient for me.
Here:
7 h 10 min
